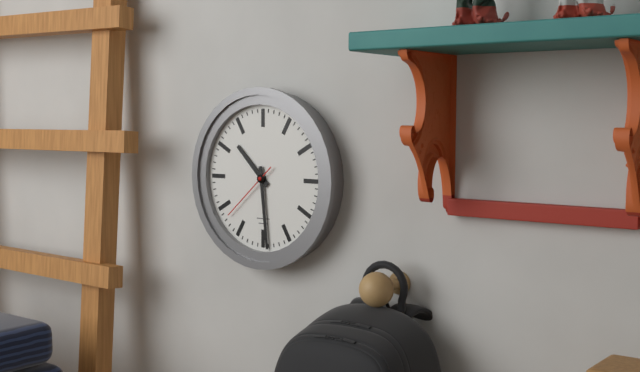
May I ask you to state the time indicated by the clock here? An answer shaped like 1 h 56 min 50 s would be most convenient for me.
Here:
10 h 29 min 38 s
